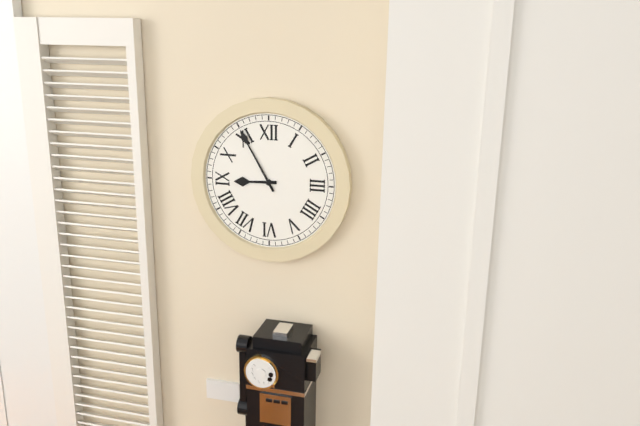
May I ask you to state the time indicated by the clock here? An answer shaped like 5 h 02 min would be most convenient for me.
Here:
8 h 55 min
